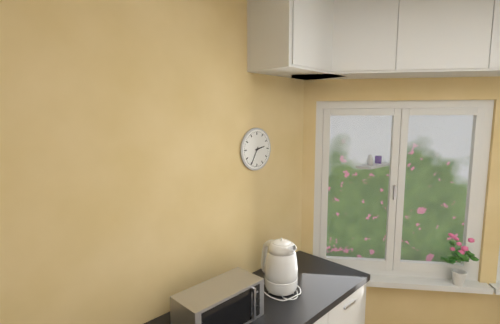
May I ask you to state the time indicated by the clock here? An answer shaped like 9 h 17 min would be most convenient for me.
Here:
2 h 35 min
